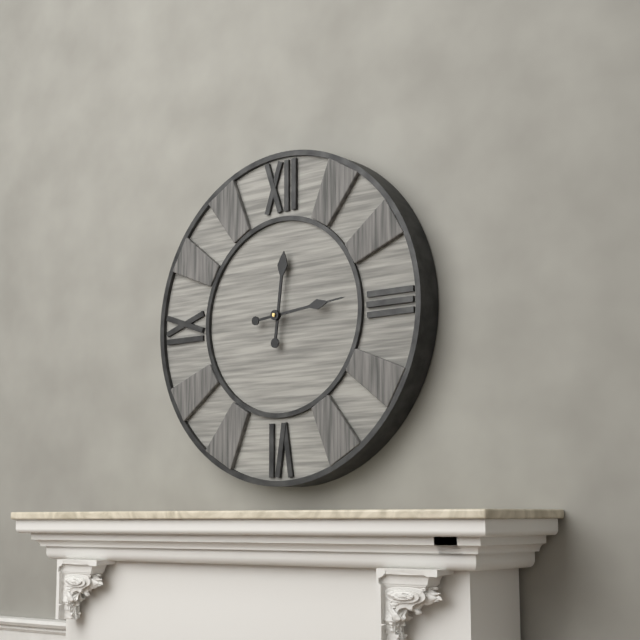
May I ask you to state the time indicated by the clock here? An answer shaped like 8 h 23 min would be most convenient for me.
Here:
12 h 14 min
